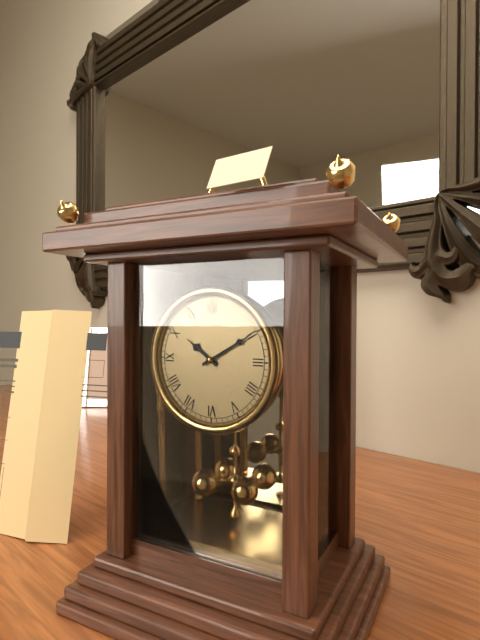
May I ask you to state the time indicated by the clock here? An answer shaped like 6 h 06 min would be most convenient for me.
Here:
10 h 10 min
